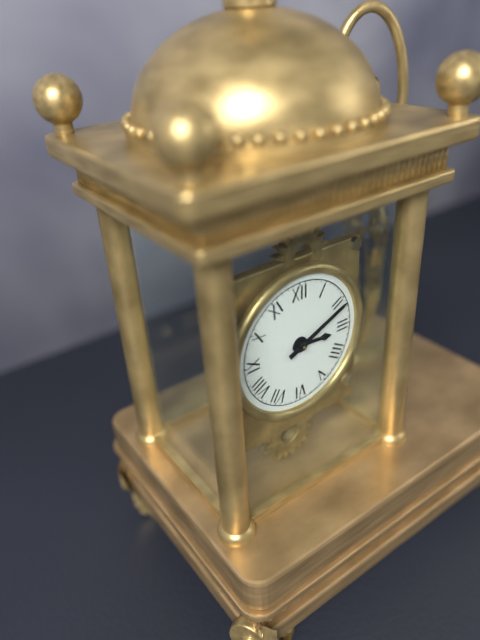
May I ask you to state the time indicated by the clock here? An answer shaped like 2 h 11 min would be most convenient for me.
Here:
3 h 11 min
